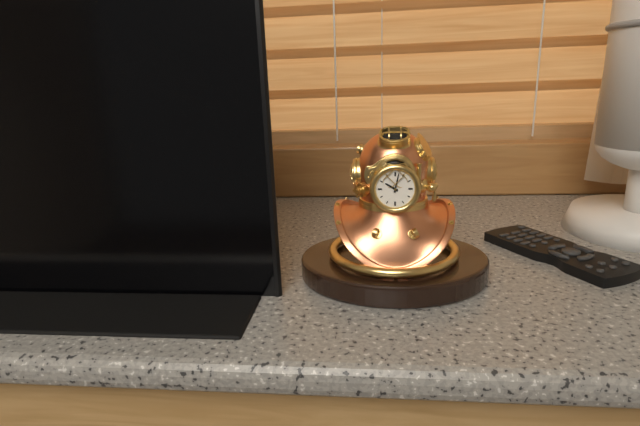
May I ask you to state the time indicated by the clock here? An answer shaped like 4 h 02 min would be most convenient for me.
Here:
10 h 02 min
